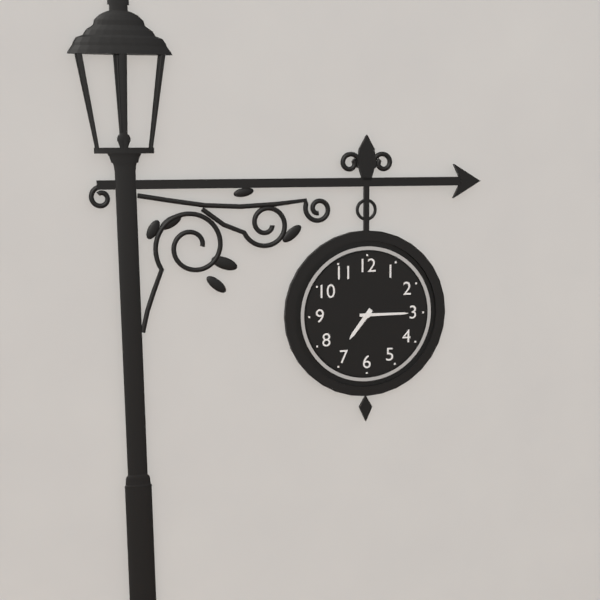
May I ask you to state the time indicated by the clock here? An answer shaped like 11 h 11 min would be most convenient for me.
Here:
7 h 15 min
